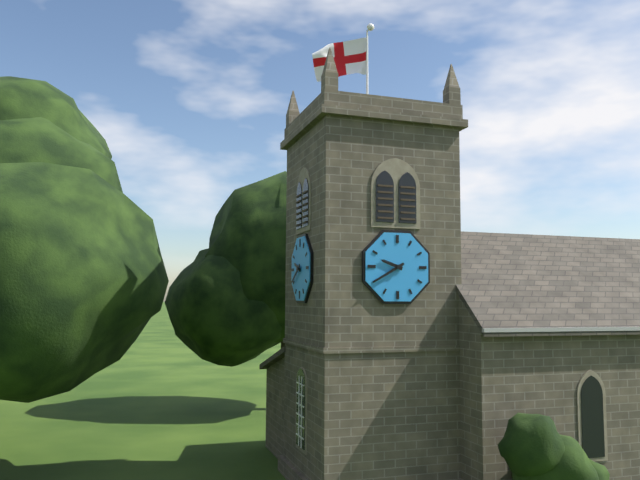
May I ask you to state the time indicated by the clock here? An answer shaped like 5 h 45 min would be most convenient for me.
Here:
9 h 40 min
